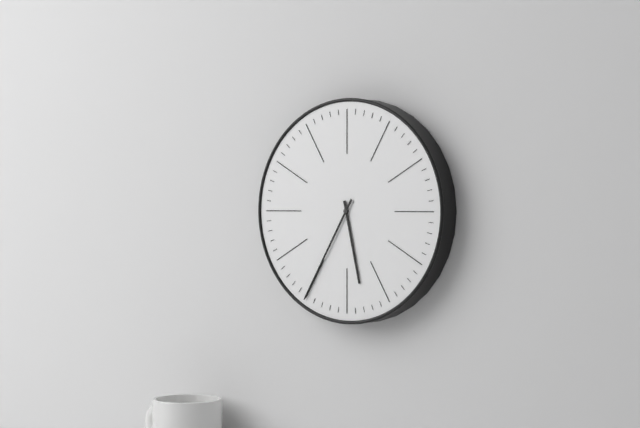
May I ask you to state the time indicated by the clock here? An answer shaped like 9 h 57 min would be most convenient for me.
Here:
5 h 35 min
